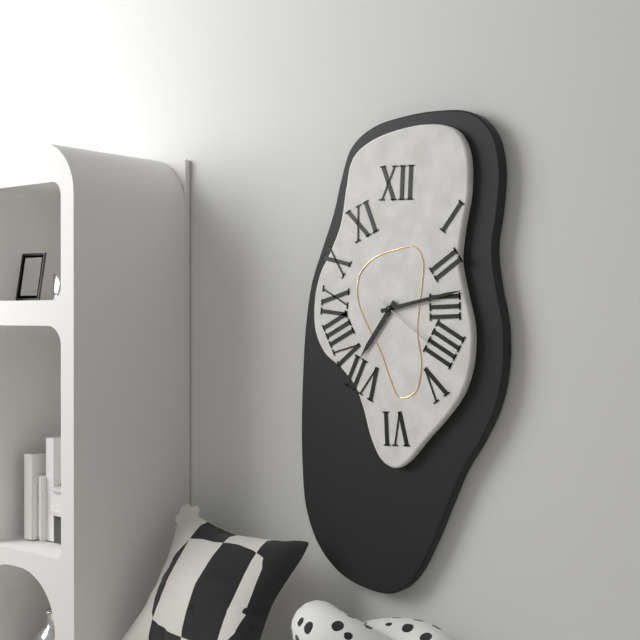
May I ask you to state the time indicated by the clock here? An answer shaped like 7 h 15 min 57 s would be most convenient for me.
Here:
7 h 13 min 21 s
